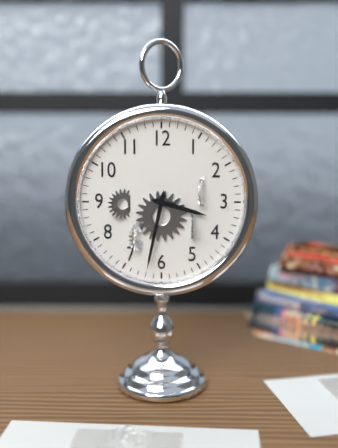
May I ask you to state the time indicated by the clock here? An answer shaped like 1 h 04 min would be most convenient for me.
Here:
3 h 32 min
